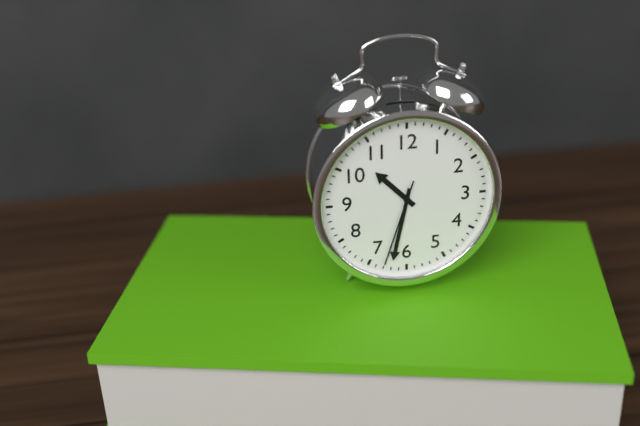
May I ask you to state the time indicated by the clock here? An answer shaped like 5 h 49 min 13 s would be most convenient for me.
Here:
10 h 32 min 33 s
